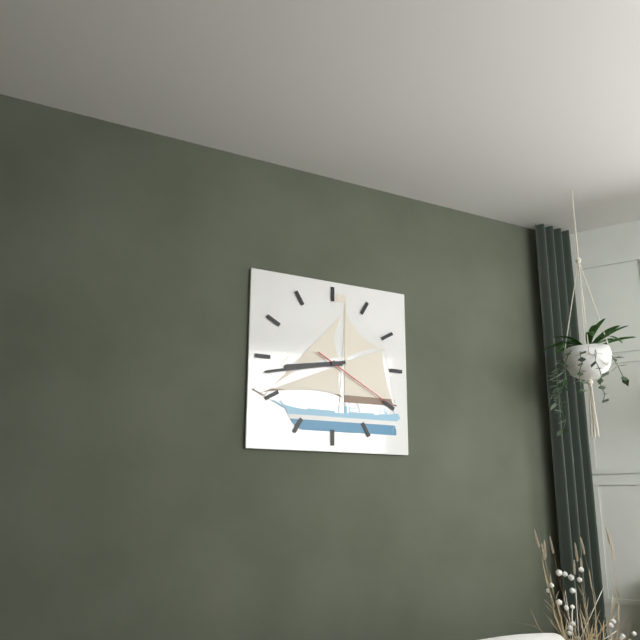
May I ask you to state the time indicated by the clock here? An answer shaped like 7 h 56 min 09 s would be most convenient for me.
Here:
8 h 43 min 20 s
